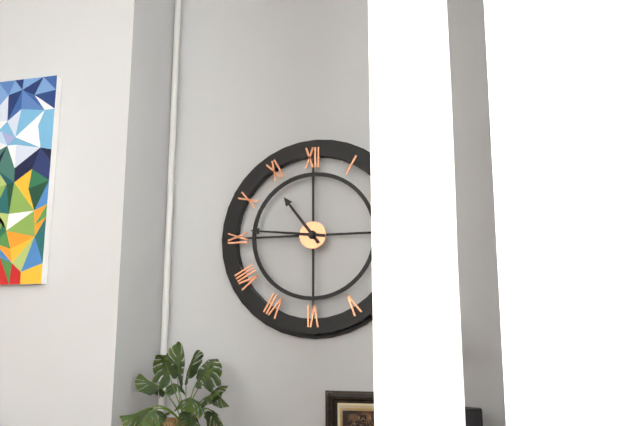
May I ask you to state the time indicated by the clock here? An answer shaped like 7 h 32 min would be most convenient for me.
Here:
10 h 46 min
